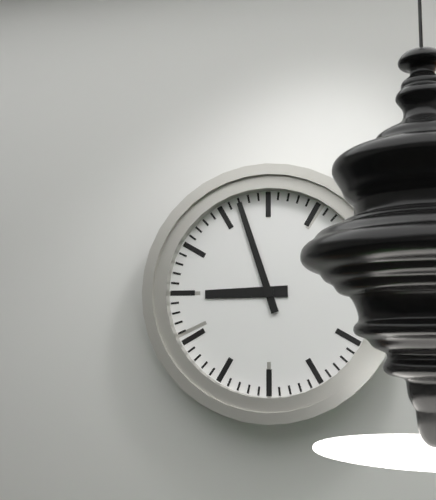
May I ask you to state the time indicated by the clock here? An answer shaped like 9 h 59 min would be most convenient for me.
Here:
8 h 57 min
